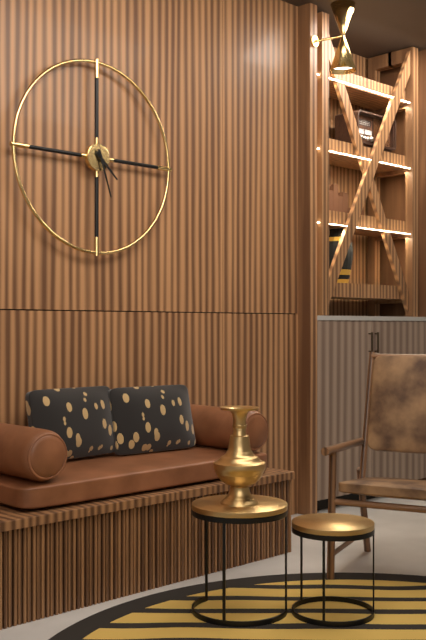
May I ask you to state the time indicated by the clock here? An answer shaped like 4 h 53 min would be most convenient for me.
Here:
4 h 27 min
